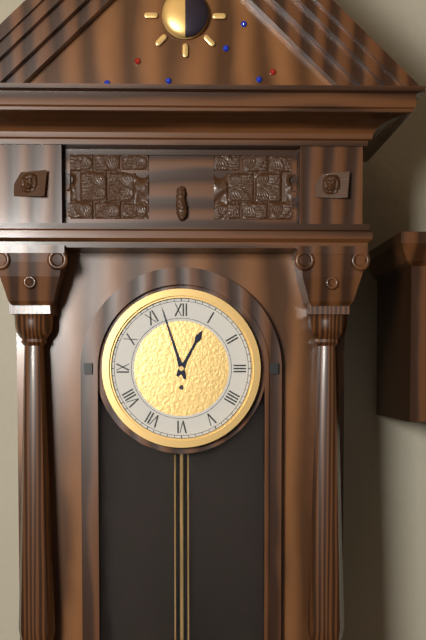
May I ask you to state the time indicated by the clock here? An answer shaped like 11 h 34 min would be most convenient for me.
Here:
12 h 57 min
